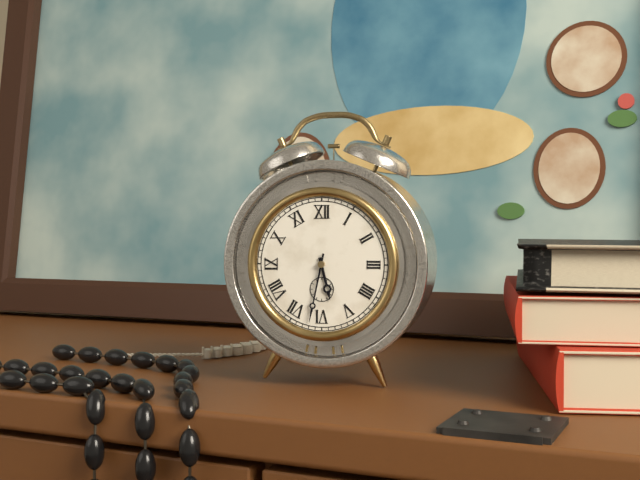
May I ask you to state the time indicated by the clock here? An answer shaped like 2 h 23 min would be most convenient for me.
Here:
5 h 32 min
